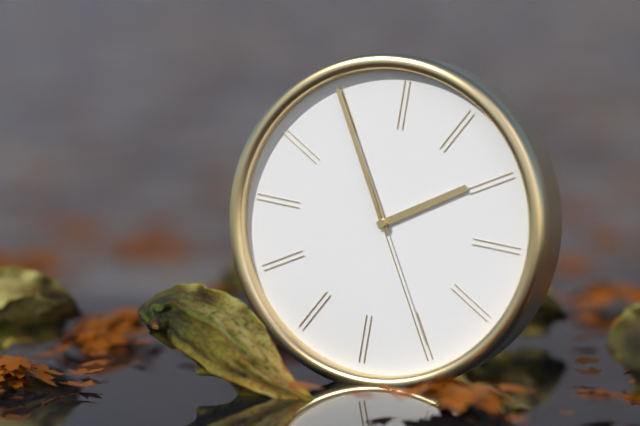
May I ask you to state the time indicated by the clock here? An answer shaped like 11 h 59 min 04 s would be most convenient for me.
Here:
1 h 55 min 25 s
